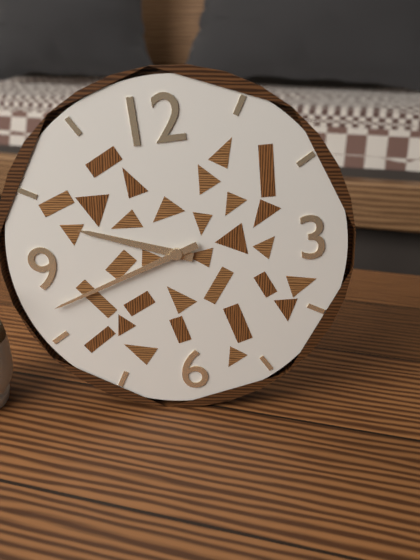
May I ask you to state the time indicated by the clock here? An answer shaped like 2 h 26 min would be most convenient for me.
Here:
9 h 42 min
